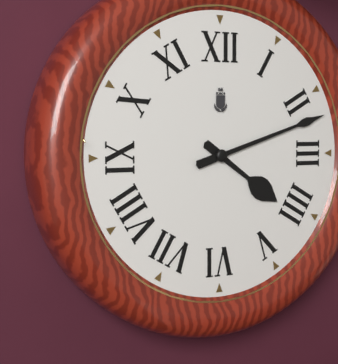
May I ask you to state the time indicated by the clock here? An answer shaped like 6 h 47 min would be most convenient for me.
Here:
4 h 12 min
